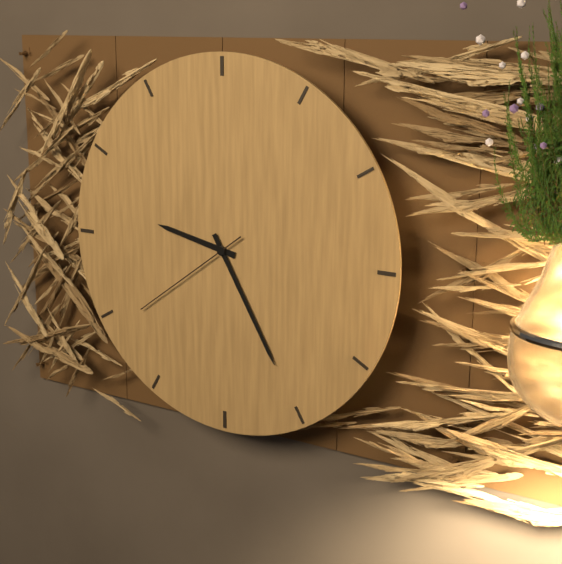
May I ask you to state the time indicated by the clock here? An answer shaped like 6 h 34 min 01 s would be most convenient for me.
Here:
9 h 25 min 39 s
